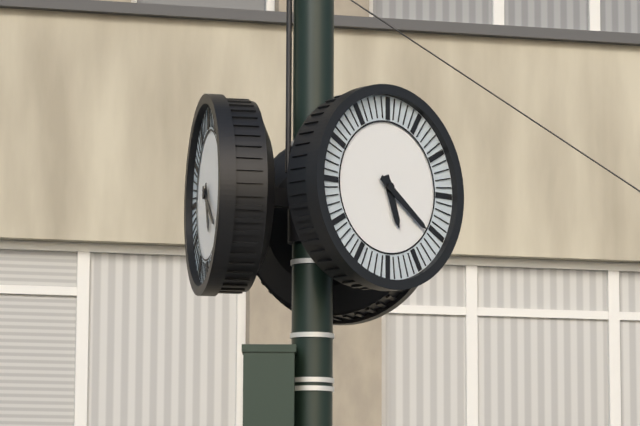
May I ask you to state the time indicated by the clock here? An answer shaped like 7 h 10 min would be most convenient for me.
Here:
5 h 21 min
